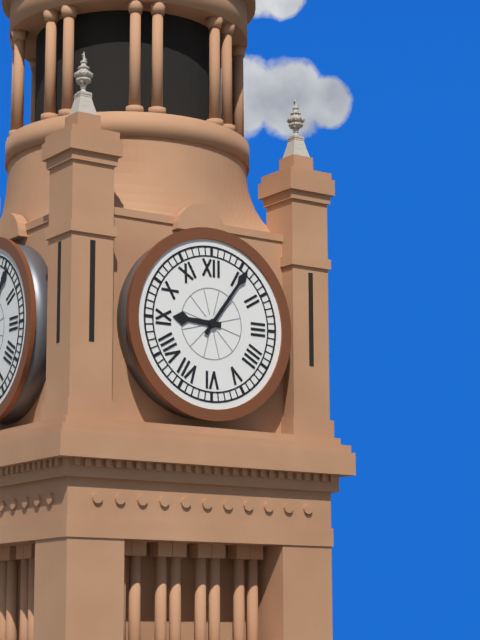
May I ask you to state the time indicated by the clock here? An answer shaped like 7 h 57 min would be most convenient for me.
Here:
9 h 06 min
